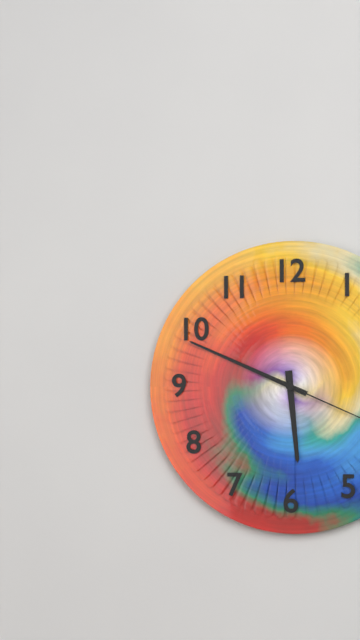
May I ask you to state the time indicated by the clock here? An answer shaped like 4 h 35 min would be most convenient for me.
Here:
5 h 49 min
